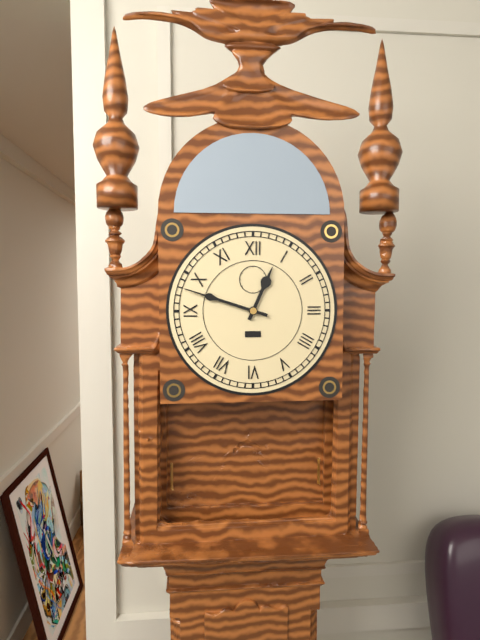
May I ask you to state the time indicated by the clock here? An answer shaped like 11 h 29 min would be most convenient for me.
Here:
12 h 48 min
